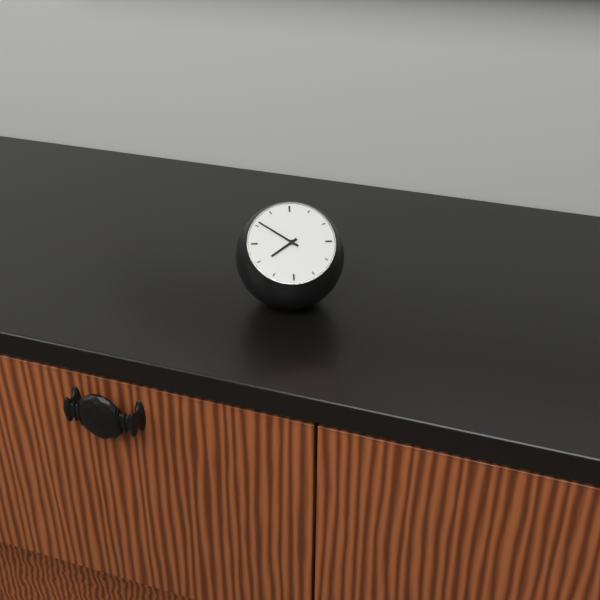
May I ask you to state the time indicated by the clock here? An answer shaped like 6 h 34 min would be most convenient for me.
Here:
7 h 51 min
